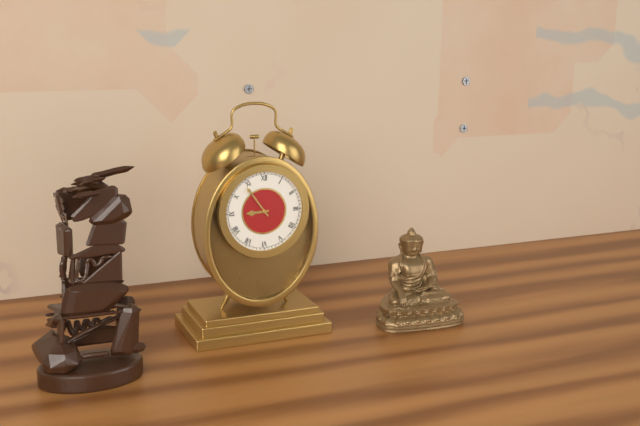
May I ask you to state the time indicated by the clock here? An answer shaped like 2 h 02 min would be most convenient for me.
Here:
8 h 54 min
